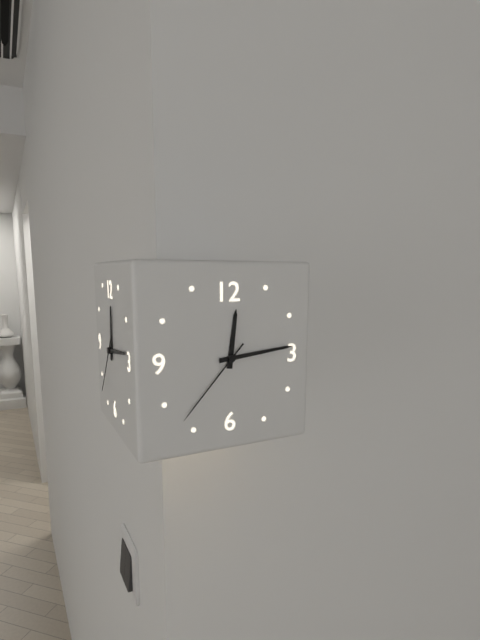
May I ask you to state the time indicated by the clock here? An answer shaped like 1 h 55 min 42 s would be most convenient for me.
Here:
12 h 14 min 37 s
